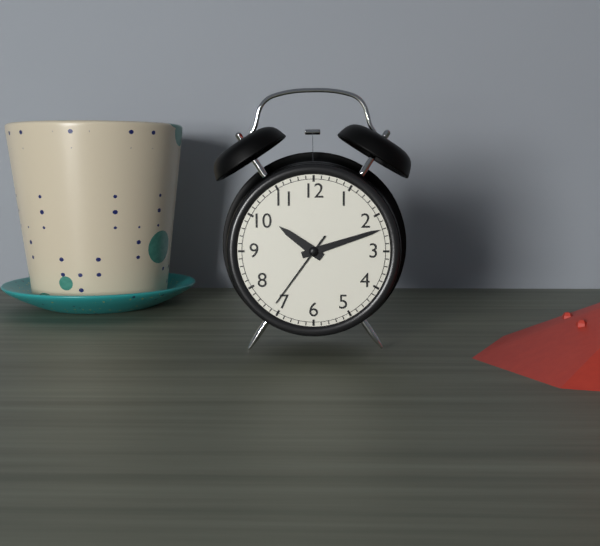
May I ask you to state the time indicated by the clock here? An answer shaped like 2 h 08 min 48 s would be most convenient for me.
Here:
10 h 12 min 36 s
